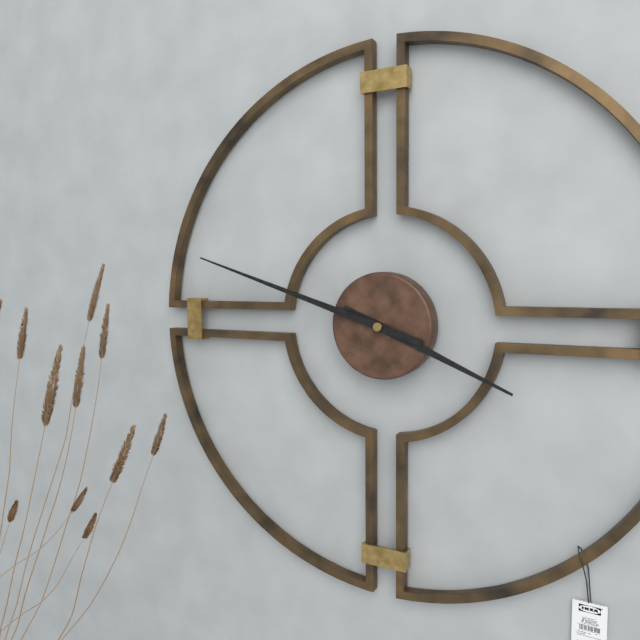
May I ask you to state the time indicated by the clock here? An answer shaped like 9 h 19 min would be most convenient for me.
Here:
3 h 48 min
